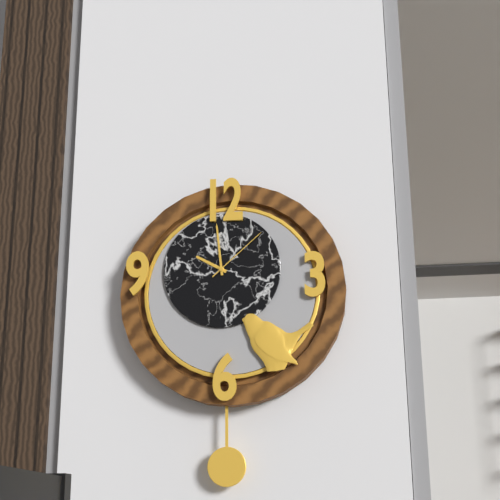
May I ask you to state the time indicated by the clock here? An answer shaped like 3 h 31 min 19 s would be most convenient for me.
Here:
9 h 59 min 08 s
